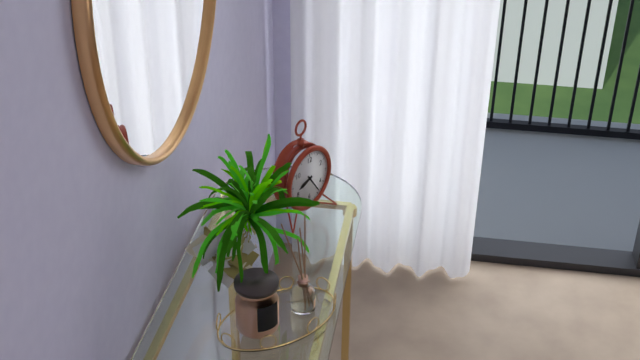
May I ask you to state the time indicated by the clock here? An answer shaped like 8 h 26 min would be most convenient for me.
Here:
8 h 24 min
